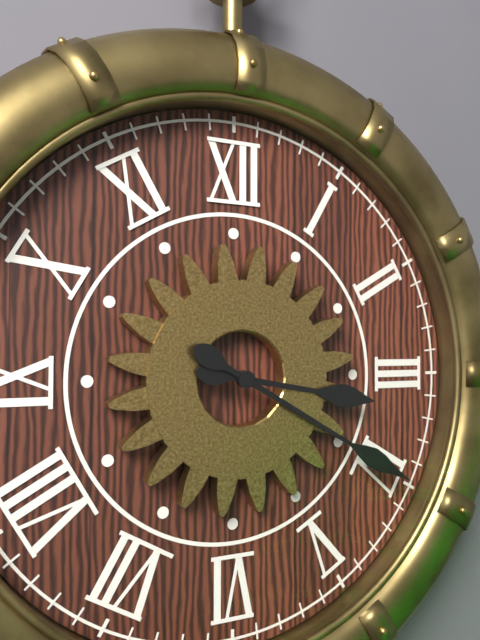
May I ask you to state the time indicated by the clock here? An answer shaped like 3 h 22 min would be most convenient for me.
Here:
3 h 20 min
